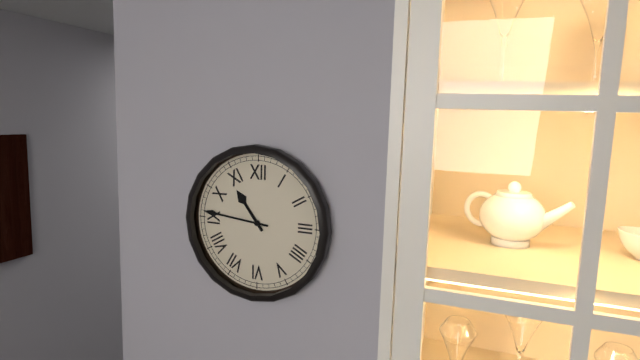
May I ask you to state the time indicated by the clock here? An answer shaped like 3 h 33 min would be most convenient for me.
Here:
10 h 46 min
